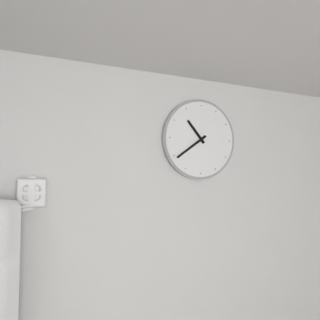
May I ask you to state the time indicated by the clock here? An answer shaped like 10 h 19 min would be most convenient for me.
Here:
10 h 39 min
